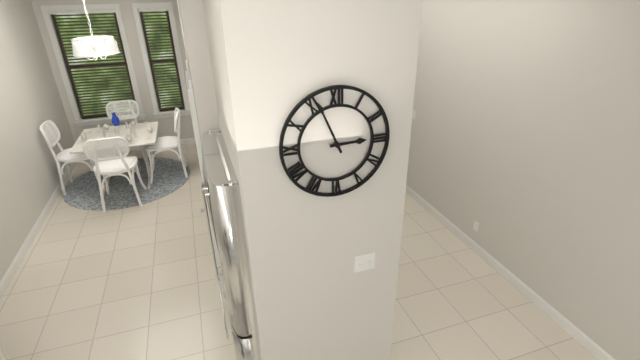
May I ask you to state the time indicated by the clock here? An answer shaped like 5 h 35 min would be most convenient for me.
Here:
2 h 56 min
